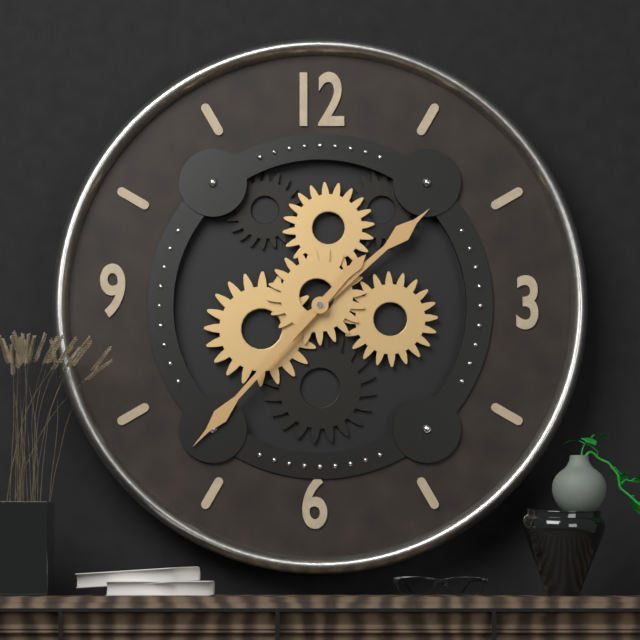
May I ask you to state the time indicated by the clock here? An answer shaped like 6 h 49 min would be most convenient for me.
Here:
1 h 37 min
